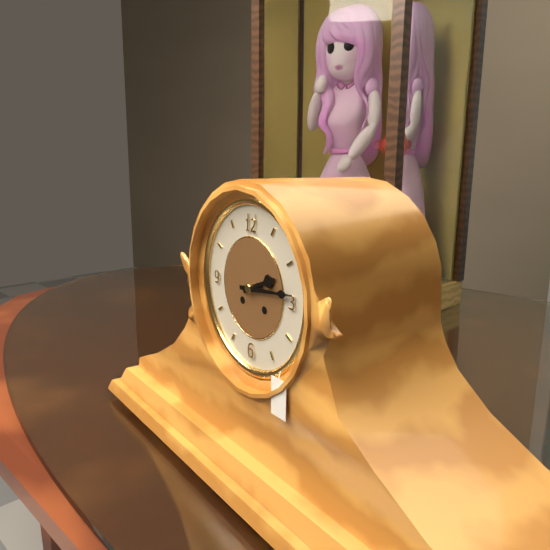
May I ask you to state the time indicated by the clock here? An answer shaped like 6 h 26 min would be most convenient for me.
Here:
2 h 14 min
